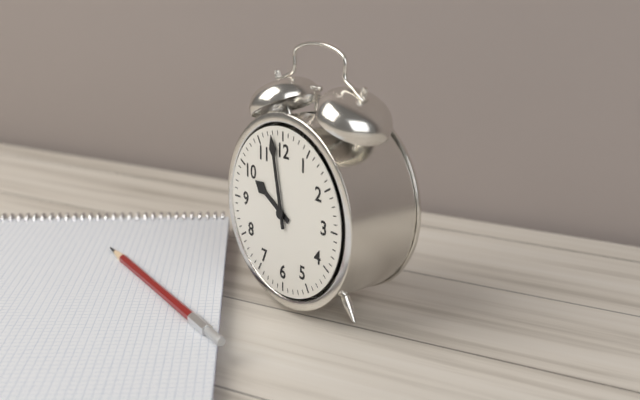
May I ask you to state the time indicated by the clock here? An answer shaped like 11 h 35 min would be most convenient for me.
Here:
9 h 58 min
